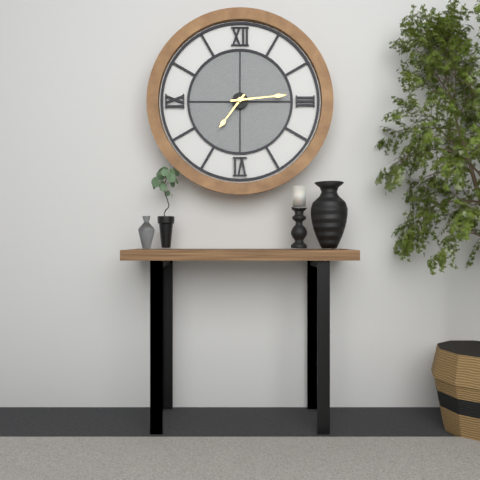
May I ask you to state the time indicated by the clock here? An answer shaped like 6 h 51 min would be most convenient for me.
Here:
7 h 14 min
